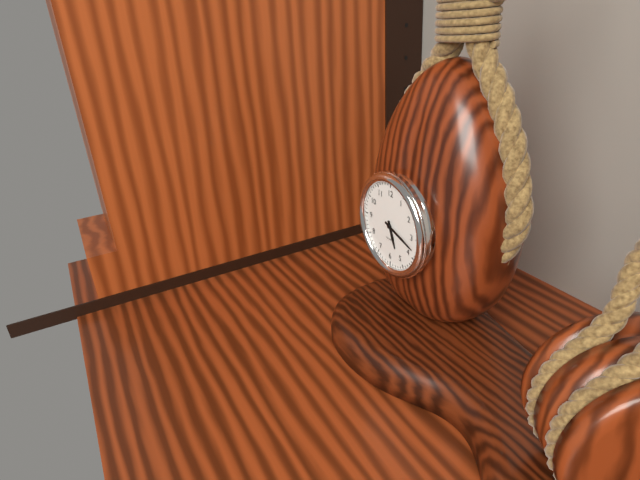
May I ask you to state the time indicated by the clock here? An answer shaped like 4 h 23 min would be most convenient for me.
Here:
5 h 18 min
